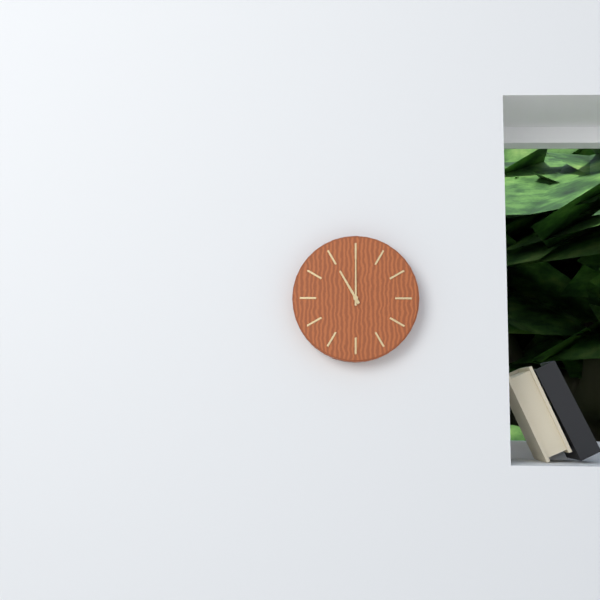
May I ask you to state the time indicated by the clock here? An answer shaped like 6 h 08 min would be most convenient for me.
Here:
11 h 00 min
